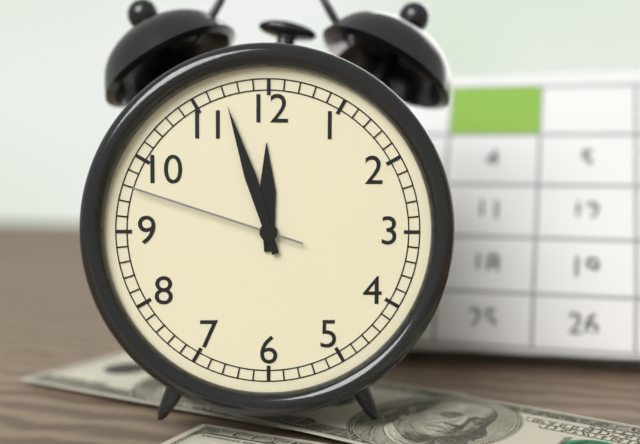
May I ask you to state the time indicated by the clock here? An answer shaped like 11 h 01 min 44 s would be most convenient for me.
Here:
11 h 57 min 48 s
